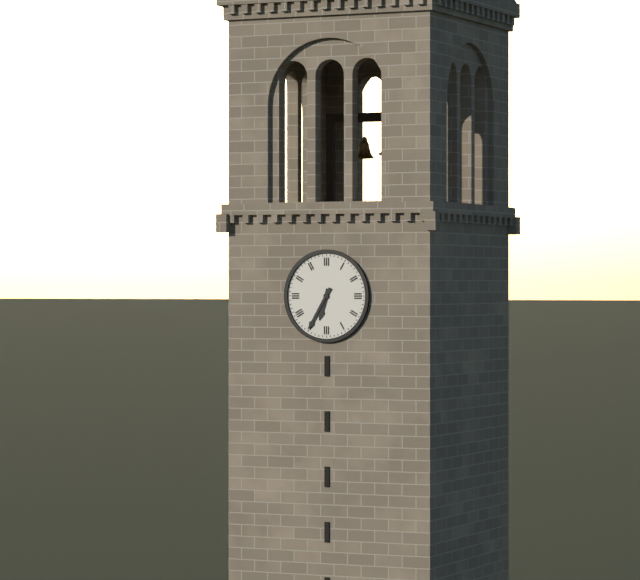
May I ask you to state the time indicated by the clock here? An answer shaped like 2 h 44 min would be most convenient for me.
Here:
6 h 35 min
